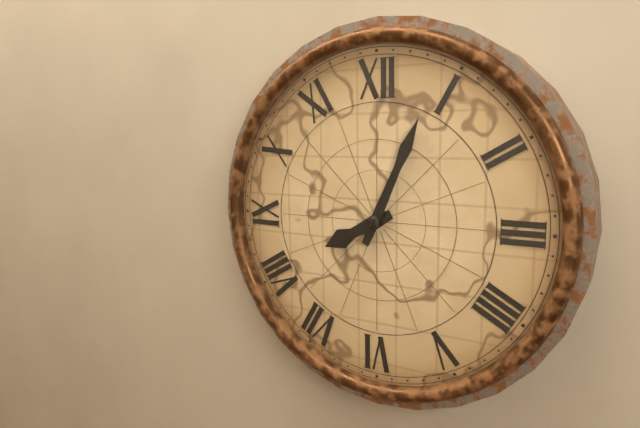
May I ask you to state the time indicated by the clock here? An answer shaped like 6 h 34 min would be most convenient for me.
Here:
8 h 04 min
